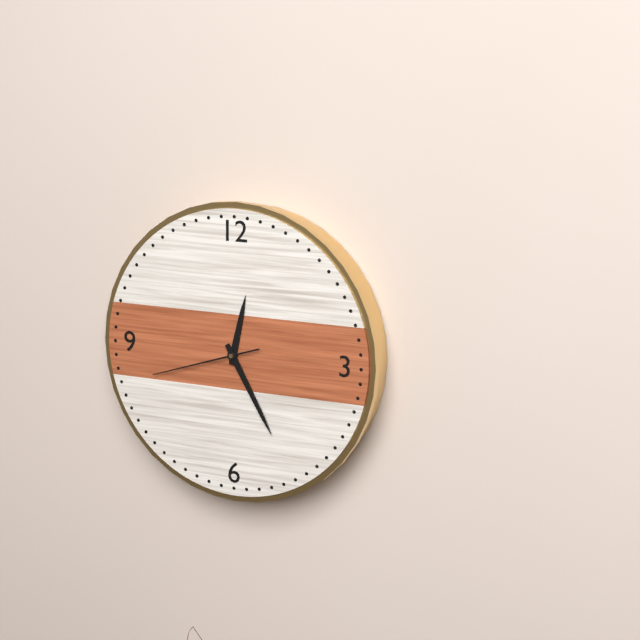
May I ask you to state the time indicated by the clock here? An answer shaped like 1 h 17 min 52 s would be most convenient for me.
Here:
12 h 25 min 42 s
